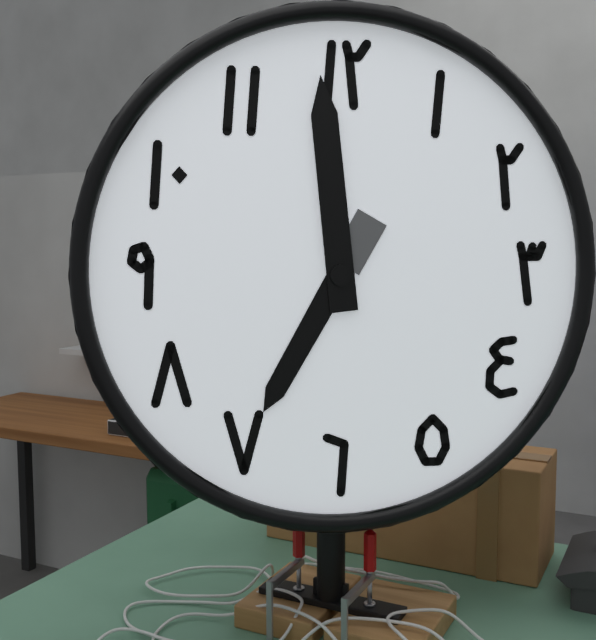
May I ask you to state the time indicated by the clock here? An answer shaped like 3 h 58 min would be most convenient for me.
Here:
6 h 59 min
